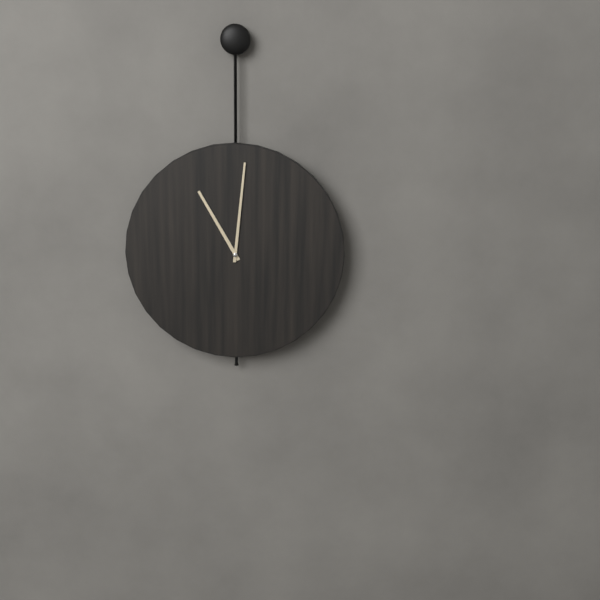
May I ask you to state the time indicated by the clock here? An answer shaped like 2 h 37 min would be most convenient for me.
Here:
11 h 01 min
